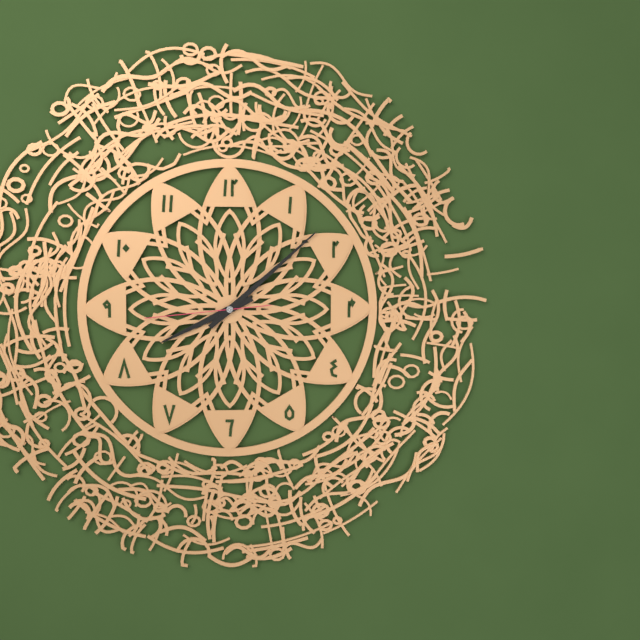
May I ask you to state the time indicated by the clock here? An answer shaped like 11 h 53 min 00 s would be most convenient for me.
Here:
8 h 08 min 44 s
